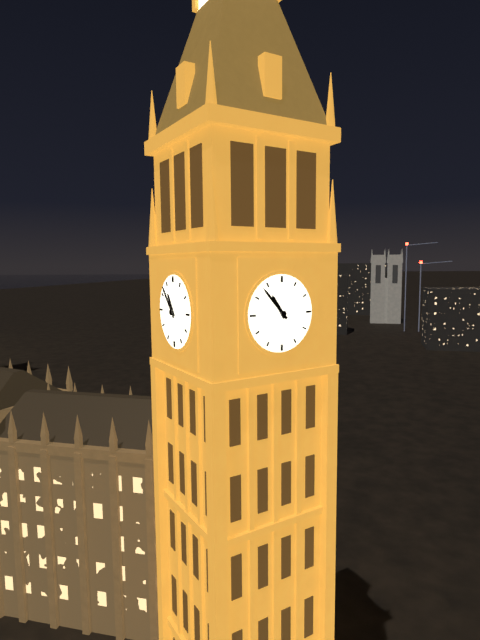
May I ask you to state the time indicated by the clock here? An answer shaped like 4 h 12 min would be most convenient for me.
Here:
10 h 53 min
